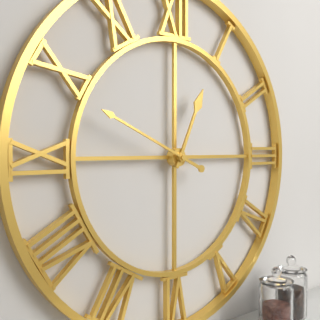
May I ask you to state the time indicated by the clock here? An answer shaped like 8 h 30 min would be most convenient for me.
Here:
12 h 49 min
